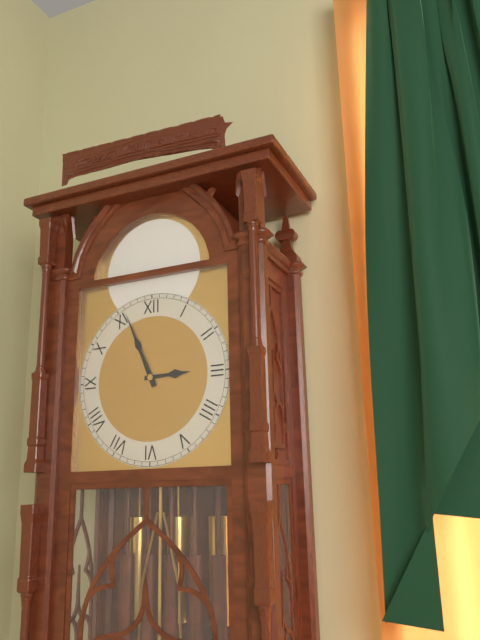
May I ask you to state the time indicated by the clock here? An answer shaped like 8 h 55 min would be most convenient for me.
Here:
2 h 56 min
